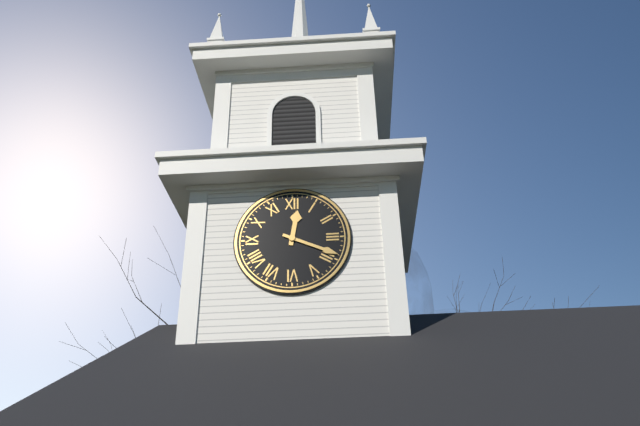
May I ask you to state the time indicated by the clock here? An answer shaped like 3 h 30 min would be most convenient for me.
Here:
12 h 19 min
